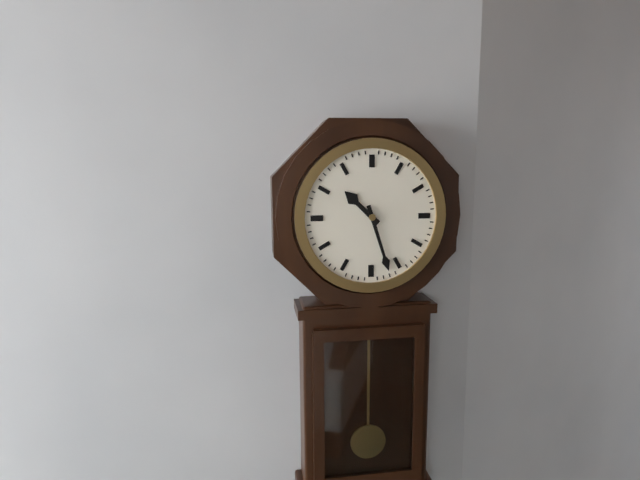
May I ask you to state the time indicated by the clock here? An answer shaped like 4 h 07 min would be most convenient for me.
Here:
10 h 27 min
